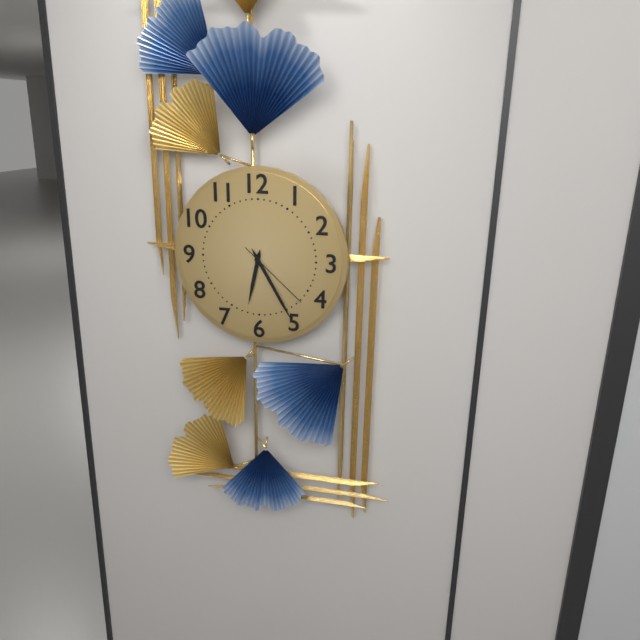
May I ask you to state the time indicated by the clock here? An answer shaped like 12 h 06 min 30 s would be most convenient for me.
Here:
6 h 25 min 22 s
